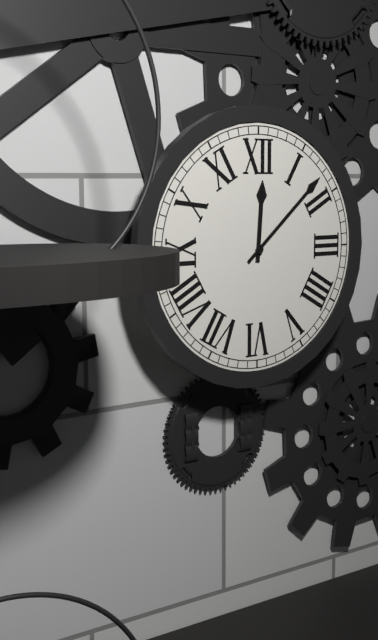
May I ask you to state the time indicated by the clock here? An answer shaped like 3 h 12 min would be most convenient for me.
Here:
12 h 08 min
